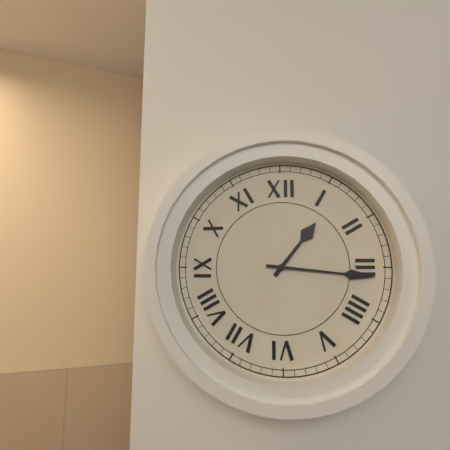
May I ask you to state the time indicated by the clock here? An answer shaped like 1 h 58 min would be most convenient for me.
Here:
1 h 16 min
